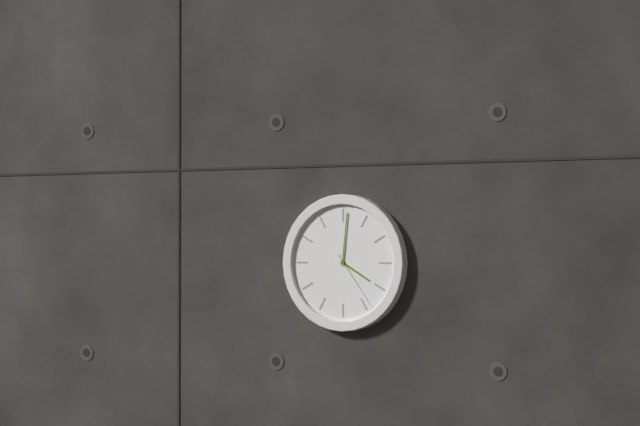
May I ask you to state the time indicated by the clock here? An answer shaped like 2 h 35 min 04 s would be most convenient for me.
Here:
4 h 01 min 24 s
